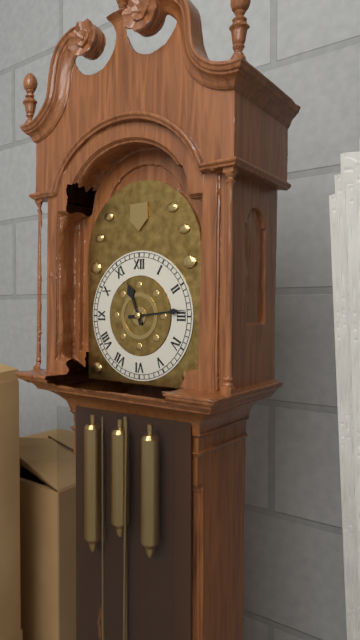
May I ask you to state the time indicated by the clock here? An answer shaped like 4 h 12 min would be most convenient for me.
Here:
11 h 14 min
